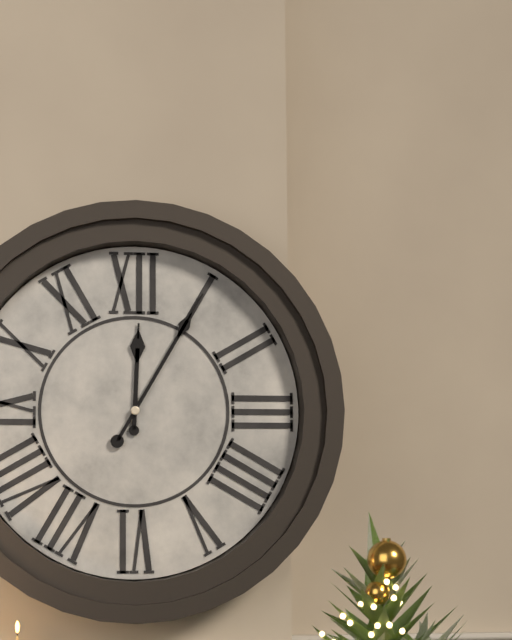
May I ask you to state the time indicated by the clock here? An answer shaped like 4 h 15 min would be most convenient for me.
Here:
12 h 05 min
